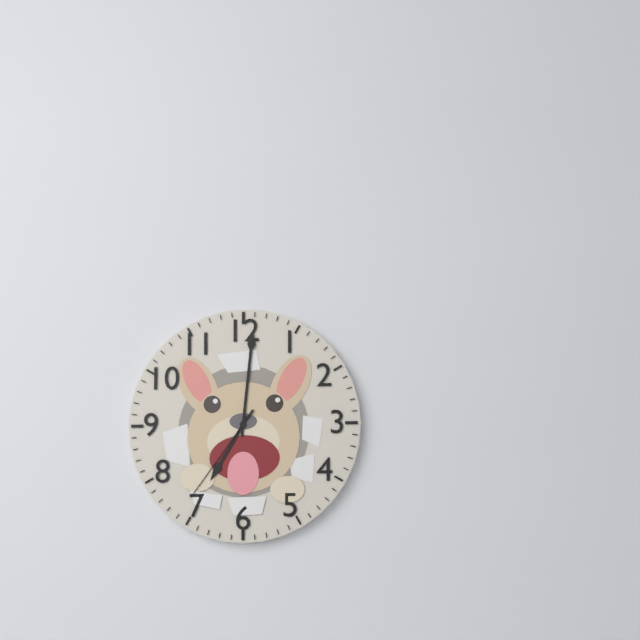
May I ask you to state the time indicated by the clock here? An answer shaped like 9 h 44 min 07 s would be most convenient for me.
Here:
7 h 01 min 36 s
